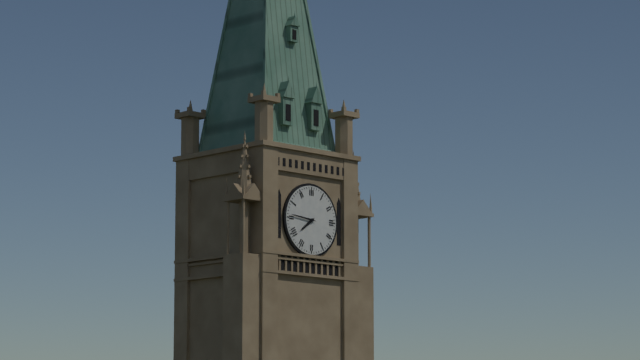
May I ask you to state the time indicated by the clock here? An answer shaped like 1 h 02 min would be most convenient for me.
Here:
7 h 46 min
